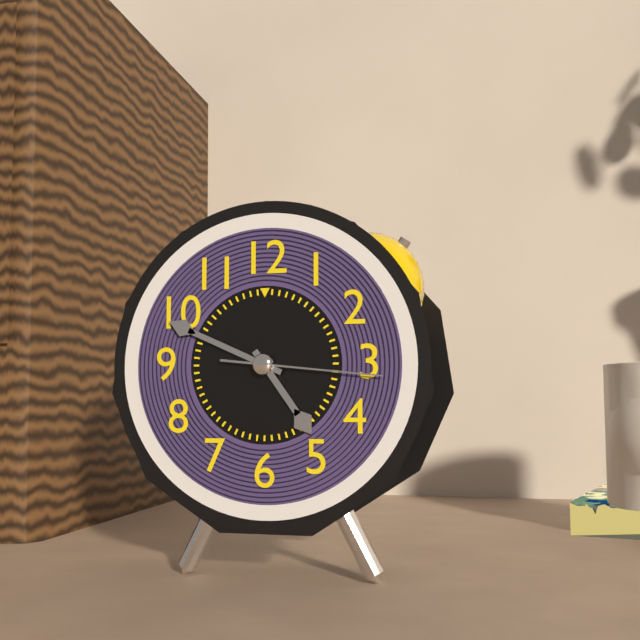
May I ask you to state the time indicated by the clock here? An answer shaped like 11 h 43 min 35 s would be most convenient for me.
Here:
4 h 49 min 16 s
